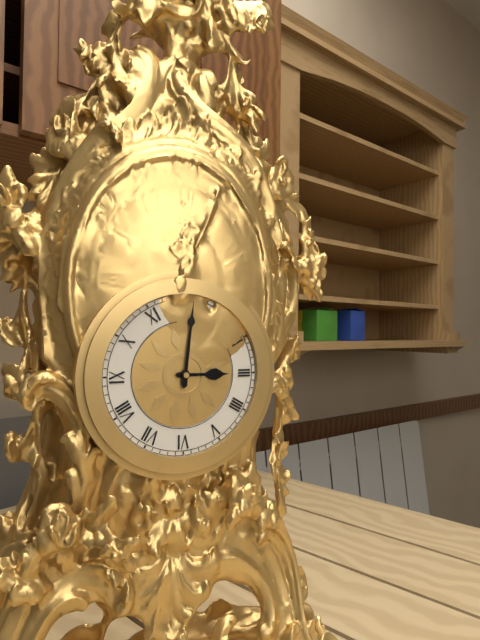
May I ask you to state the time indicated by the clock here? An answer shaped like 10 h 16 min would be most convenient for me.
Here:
3 h 01 min
